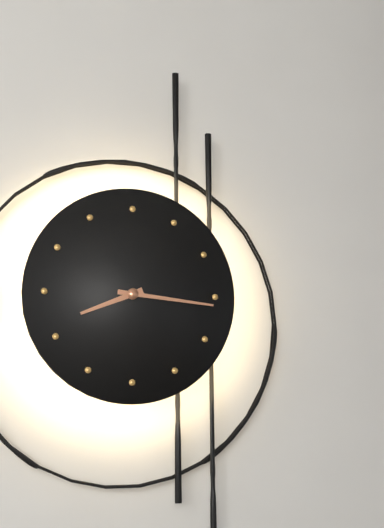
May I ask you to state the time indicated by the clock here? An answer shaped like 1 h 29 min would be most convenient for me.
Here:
8 h 16 min
